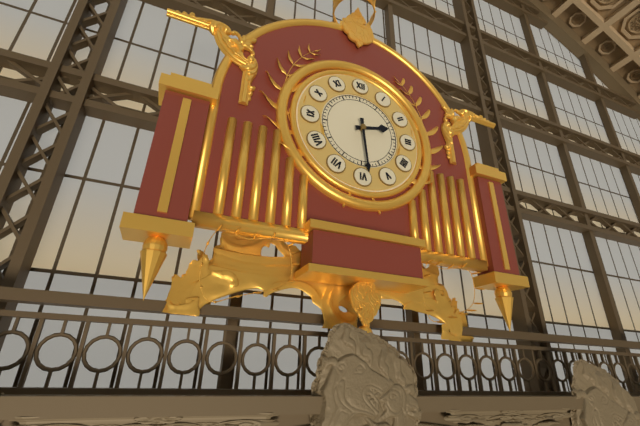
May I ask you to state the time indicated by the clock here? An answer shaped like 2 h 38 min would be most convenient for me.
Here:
2 h 29 min
